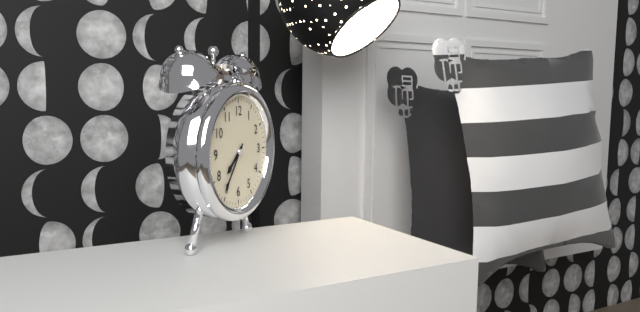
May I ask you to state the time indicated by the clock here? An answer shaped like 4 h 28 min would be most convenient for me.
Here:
7 h 36 min
